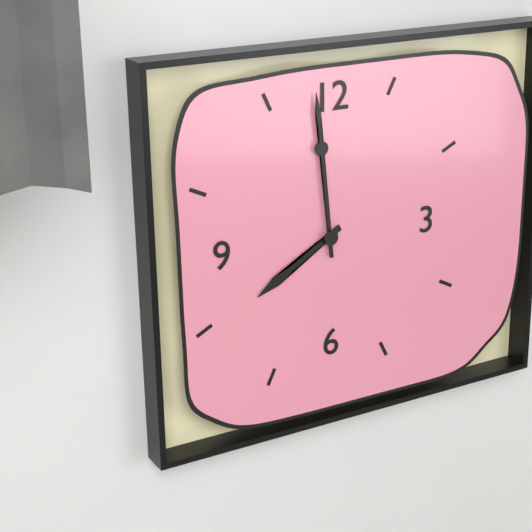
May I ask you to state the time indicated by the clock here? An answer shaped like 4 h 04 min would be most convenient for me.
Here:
7 h 59 min
